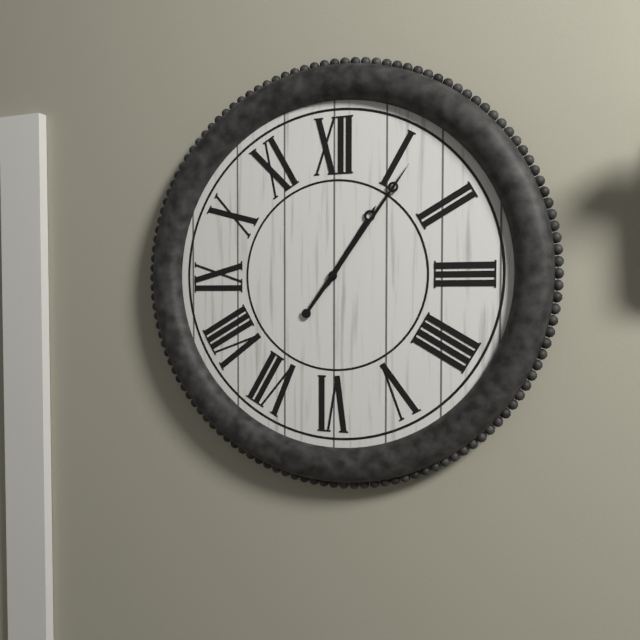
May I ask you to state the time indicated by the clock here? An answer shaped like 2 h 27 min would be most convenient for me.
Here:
1 h 06 min
